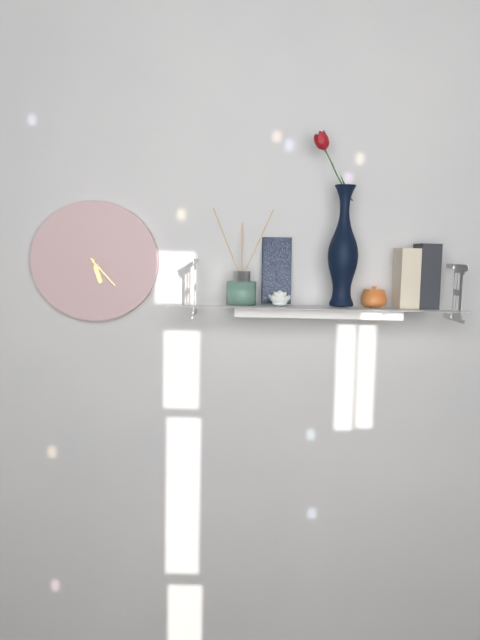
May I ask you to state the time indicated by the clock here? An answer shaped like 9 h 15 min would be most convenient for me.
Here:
5 h 23 min
